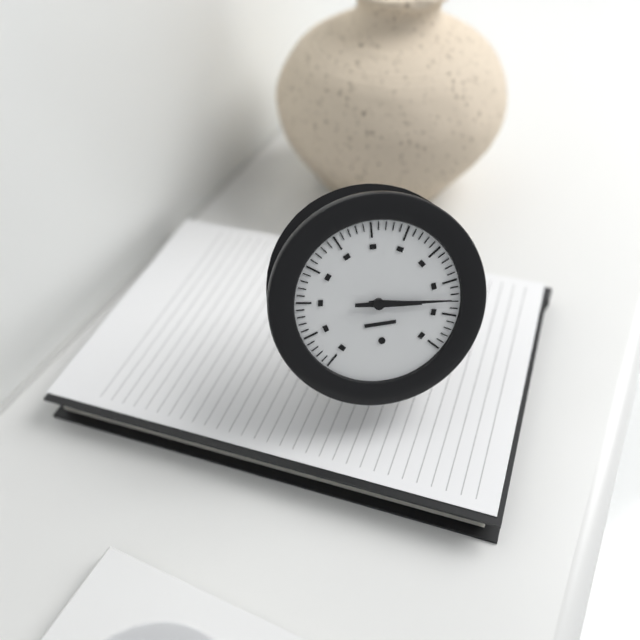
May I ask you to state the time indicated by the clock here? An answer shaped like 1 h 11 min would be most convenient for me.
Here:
3 h 16 min
